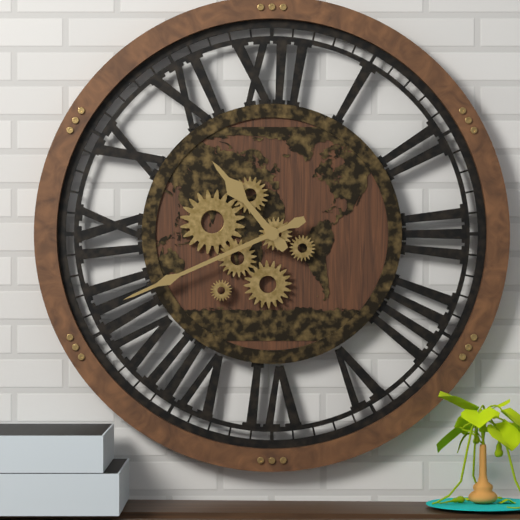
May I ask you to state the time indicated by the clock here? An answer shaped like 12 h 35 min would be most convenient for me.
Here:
10 h 41 min
